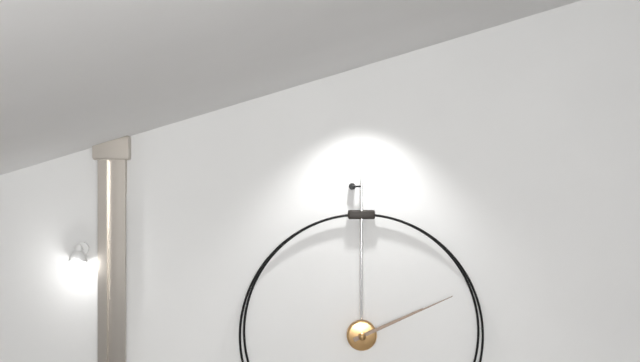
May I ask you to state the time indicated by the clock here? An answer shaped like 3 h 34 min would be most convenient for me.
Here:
2 h 11 min
